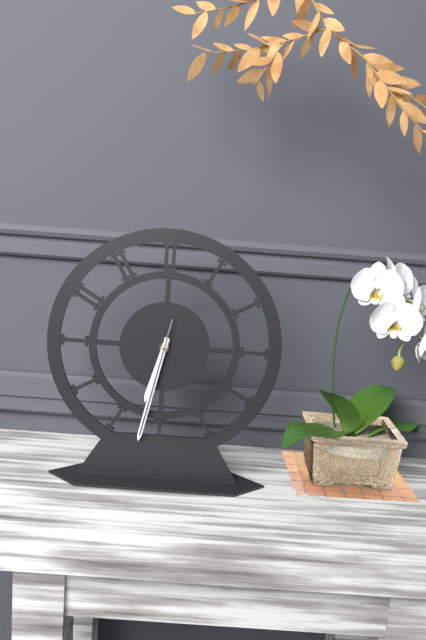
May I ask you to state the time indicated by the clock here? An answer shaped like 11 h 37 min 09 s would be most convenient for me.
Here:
6 h 32 min 32 s
